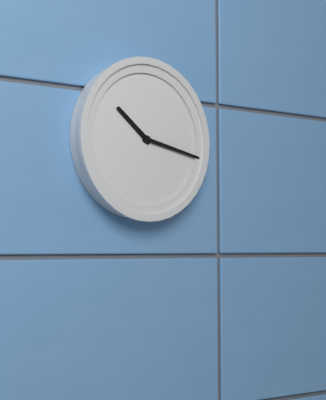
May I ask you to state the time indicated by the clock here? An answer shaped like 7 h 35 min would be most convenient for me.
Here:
10 h 17 min
